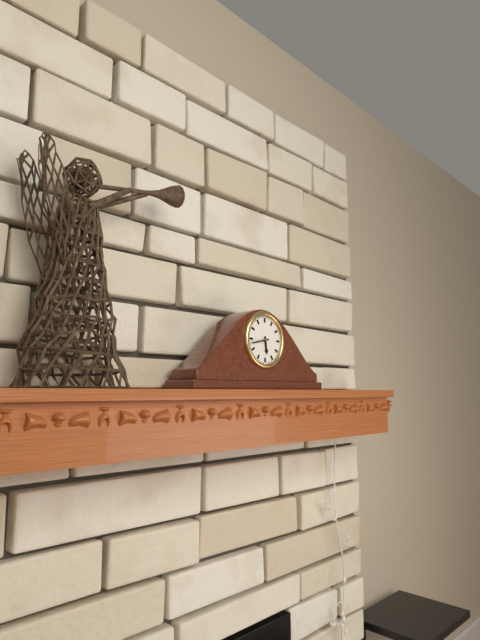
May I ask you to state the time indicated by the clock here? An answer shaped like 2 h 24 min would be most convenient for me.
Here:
5 h 43 min
